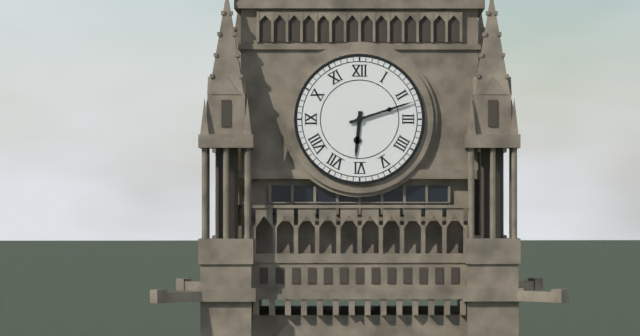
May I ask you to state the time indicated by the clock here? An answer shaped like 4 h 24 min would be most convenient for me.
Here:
6 h 12 min
